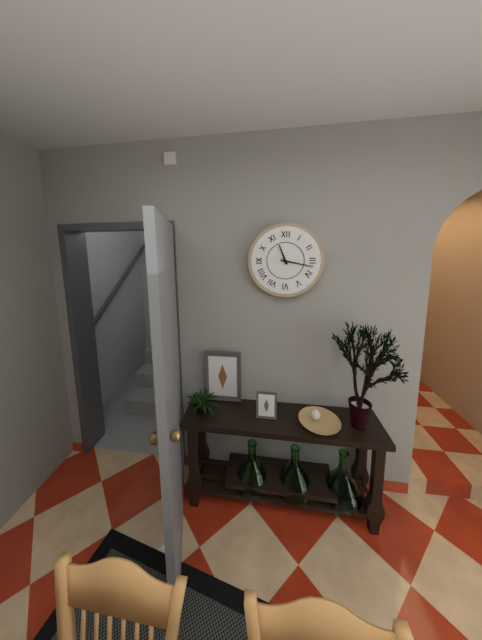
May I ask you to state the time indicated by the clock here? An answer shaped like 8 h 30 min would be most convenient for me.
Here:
11 h 17 min
